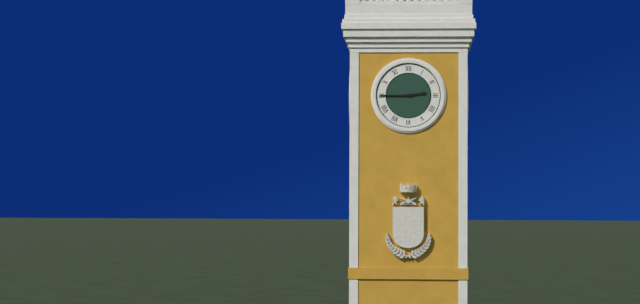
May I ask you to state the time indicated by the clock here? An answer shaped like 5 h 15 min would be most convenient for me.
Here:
2 h 45 min
